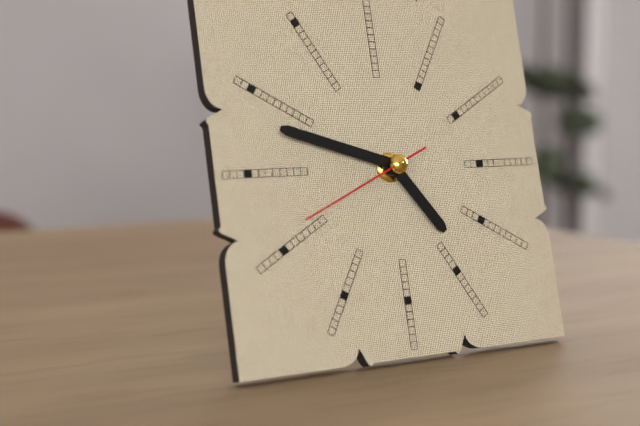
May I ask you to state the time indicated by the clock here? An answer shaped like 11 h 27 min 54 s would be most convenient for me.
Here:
4 h 48 min 41 s
